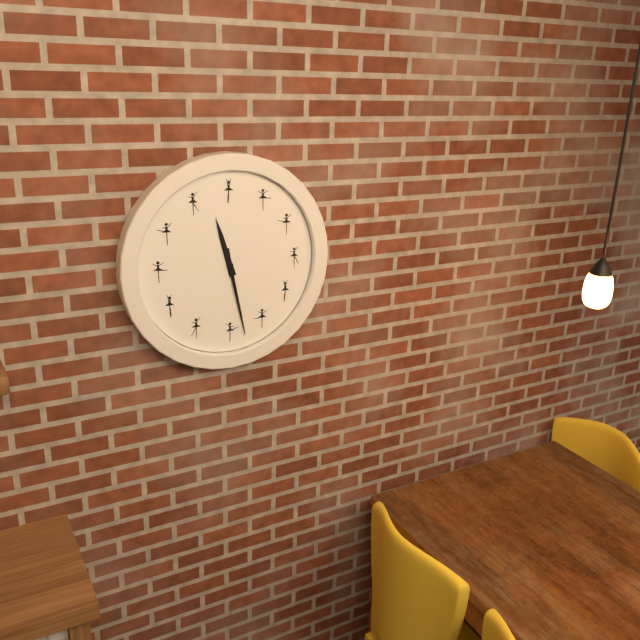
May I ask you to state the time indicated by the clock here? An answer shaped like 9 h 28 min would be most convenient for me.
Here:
11 h 28 min
